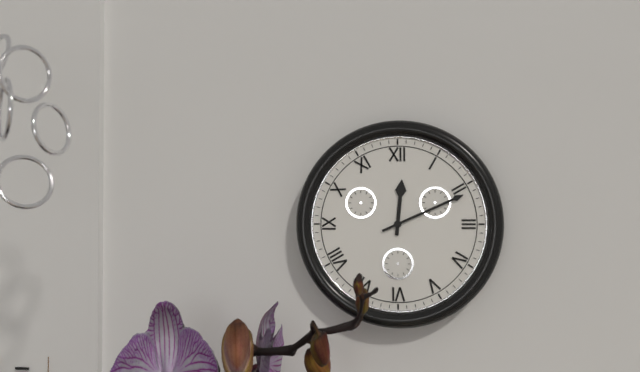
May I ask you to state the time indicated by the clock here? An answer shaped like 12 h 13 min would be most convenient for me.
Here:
12 h 11 min
